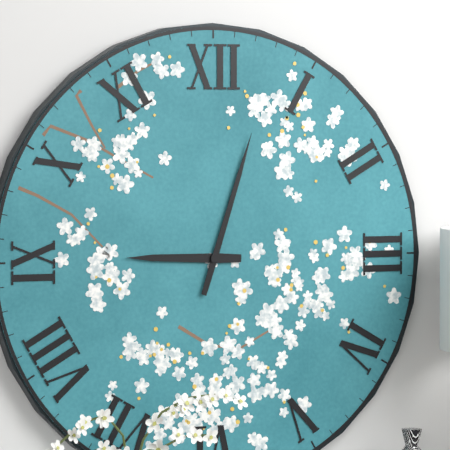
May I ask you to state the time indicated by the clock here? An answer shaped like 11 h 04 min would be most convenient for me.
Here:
9 h 03 min
